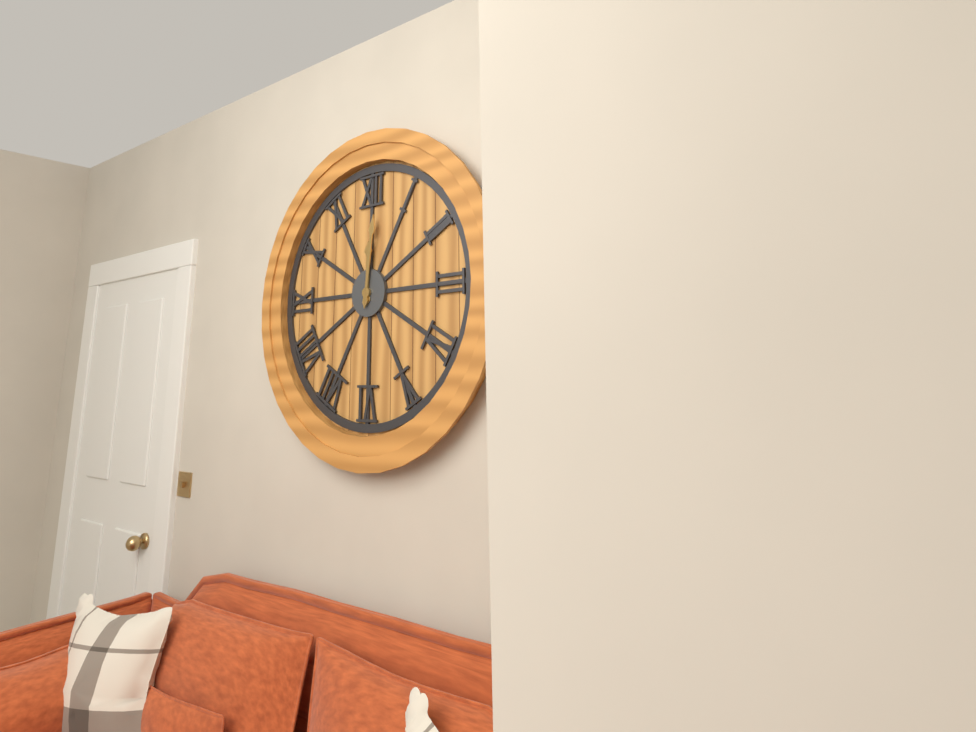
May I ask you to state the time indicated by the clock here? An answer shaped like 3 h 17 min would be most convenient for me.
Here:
12 h 01 min
